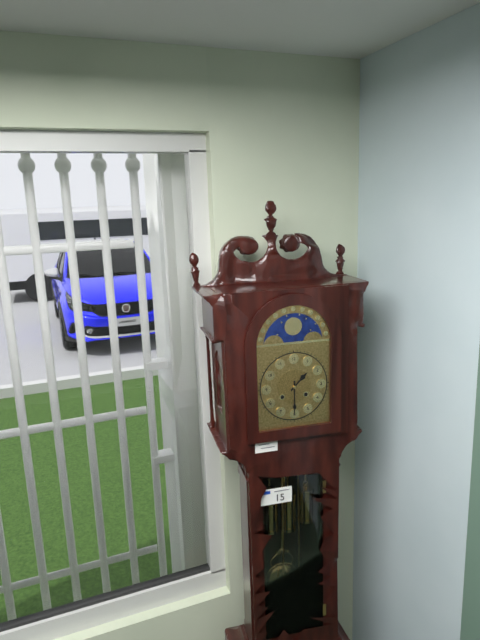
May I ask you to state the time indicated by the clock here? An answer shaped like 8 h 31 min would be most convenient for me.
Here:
1 h 30 min
